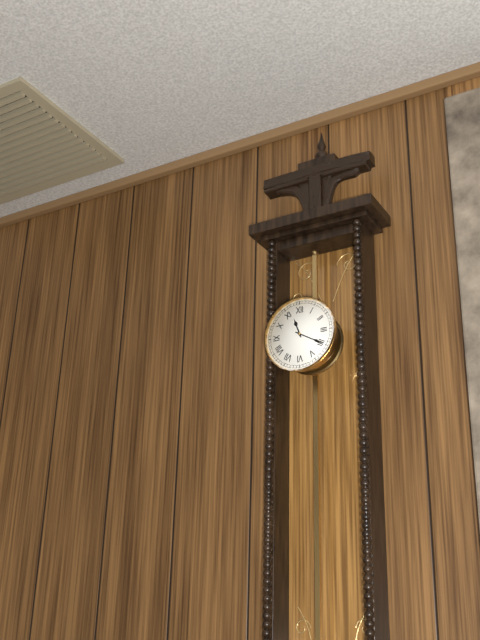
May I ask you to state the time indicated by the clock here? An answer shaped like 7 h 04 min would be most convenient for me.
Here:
11 h 20 min
